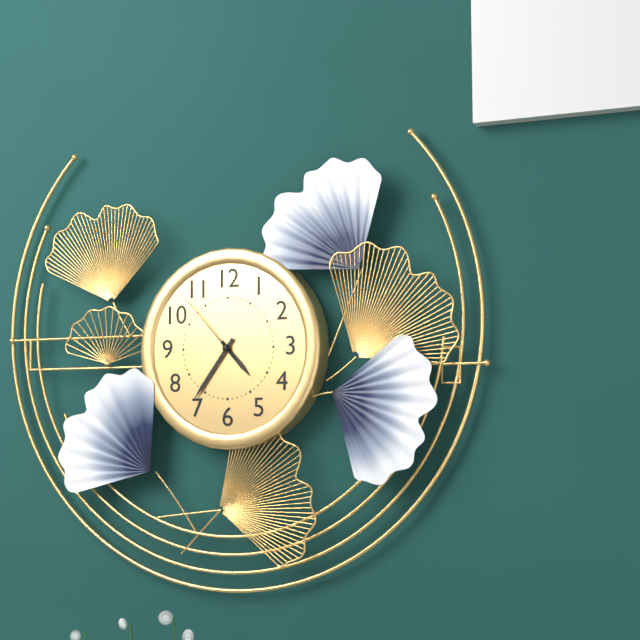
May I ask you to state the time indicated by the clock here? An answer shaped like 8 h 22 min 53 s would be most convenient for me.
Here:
4 h 36 min 53 s
